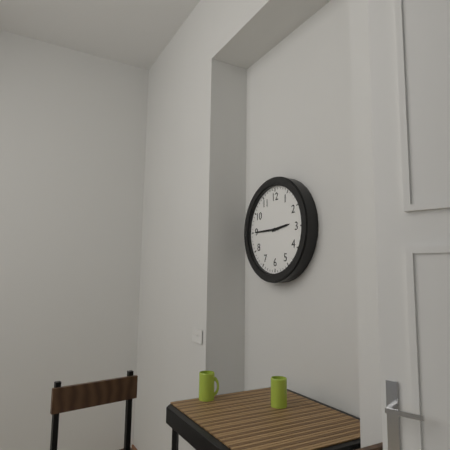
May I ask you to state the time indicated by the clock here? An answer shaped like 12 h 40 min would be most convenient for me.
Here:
2 h 45 min
